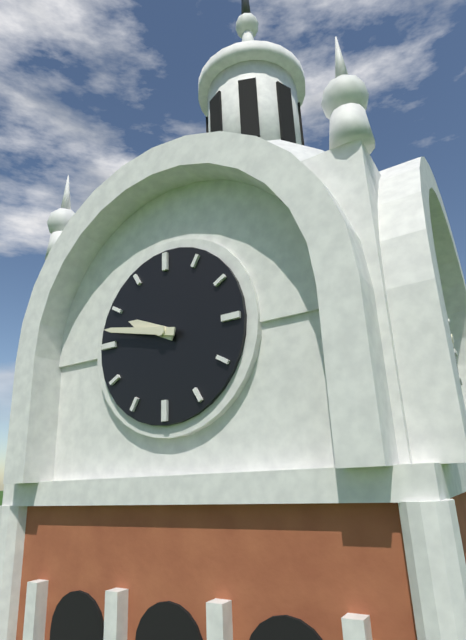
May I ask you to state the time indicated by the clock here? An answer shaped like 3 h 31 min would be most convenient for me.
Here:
9 h 47 min
